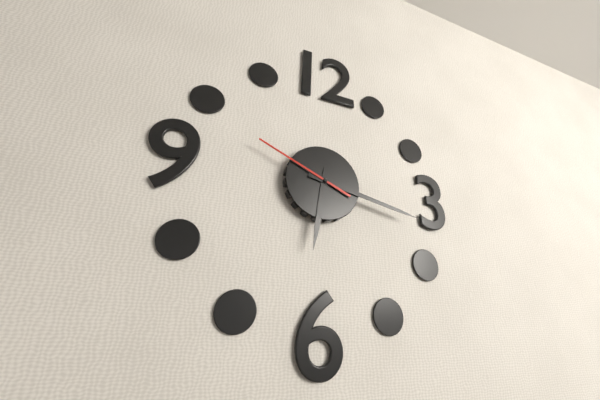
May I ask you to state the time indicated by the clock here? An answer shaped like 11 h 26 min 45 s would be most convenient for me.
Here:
6 h 17 min 49 s
